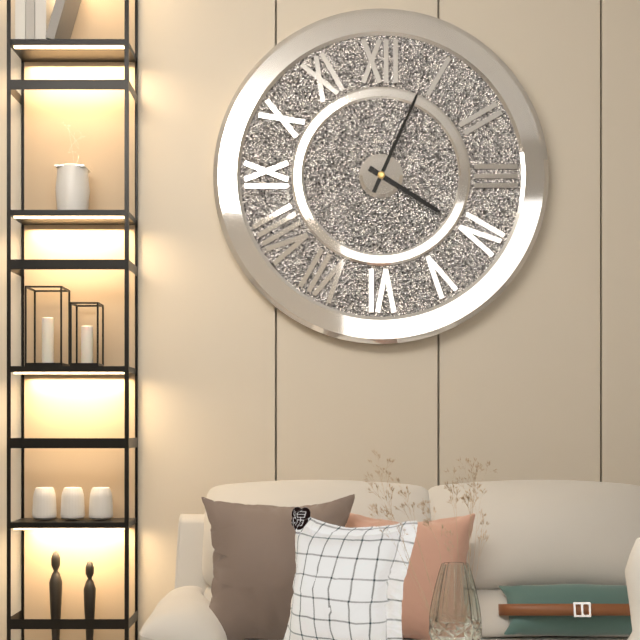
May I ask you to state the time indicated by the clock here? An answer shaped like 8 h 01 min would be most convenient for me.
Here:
4 h 04 min
